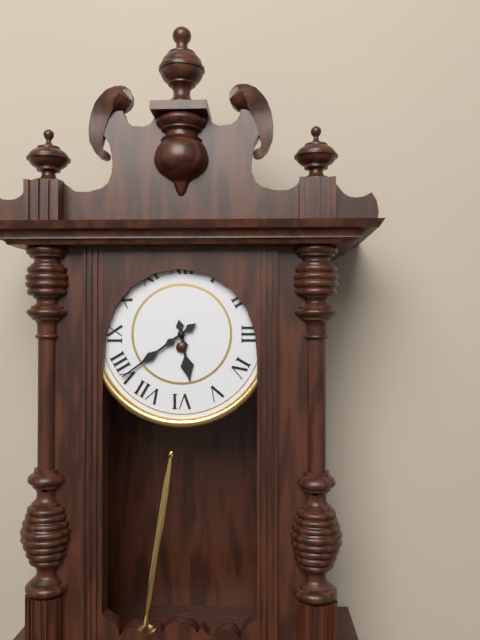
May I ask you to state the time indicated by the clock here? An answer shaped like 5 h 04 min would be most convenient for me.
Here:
5 h 39 min
